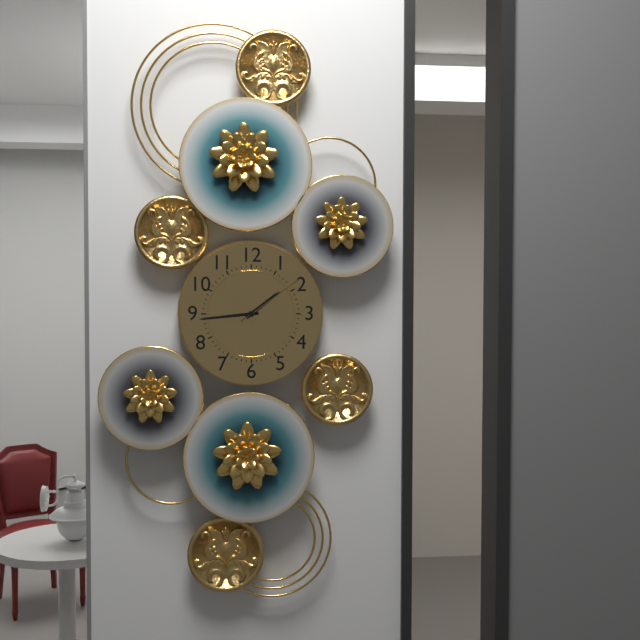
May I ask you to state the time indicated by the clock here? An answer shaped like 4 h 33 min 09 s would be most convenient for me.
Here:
1 h 44 min 09 s
